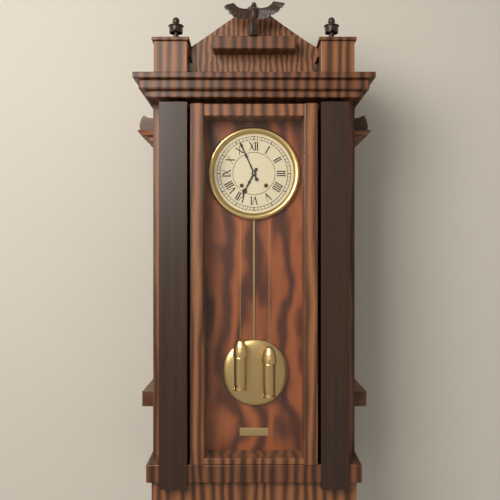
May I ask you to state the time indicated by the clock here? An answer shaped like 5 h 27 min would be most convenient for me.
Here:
6 h 56 min
